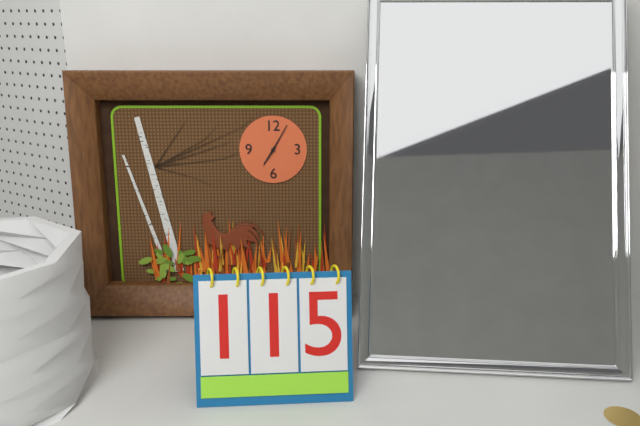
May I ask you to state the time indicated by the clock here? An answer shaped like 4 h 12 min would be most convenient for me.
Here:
7 h 05 min
